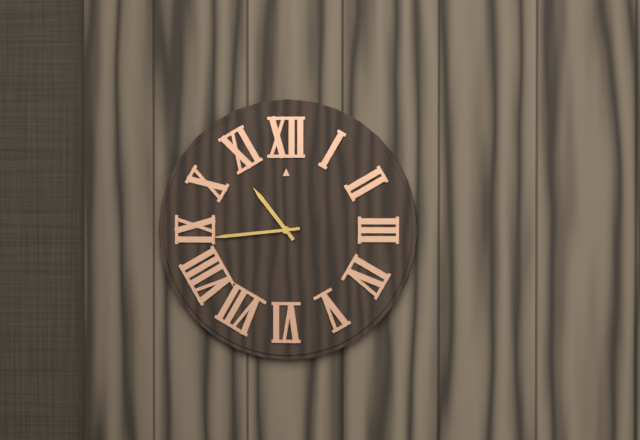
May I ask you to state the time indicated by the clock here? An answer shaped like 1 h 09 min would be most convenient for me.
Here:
10 h 44 min
